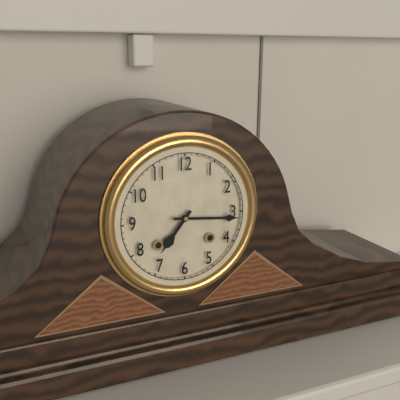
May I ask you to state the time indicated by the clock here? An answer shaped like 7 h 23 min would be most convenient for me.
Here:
7 h 16 min
